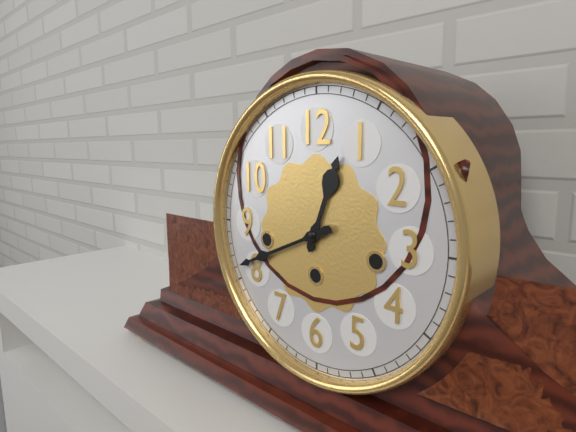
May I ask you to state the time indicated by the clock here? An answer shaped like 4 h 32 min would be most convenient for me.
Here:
12 h 41 min
